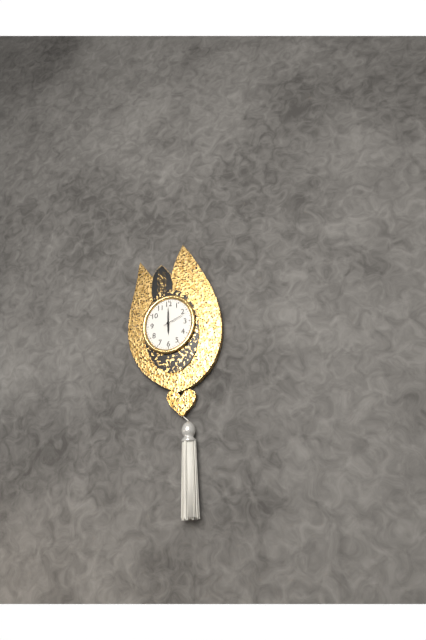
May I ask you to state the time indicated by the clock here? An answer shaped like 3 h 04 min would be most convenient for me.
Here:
6 h 00 min
